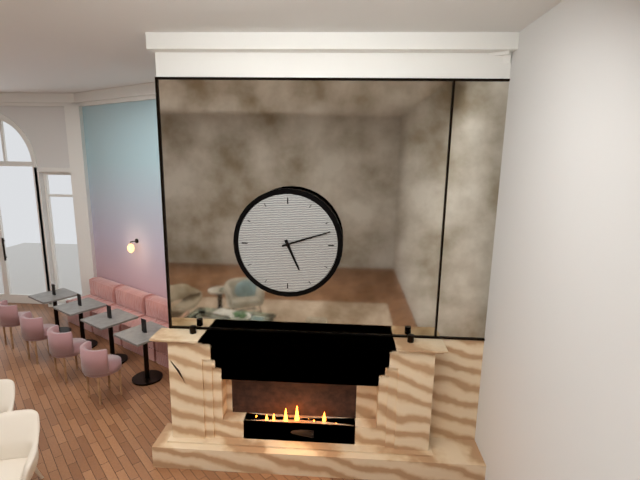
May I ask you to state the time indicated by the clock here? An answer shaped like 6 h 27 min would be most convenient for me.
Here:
5 h 12 min
